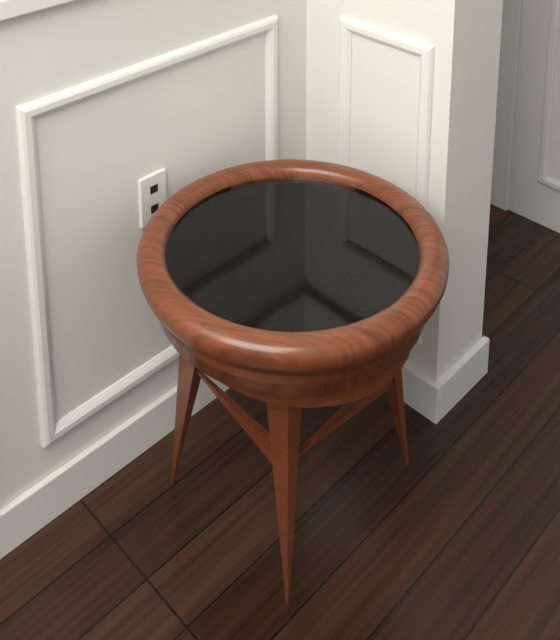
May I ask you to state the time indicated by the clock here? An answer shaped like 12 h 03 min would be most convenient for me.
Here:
1 h 25 min
